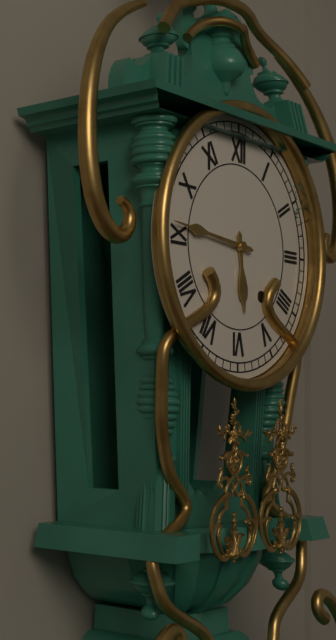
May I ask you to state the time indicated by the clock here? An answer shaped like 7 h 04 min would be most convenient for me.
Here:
5 h 46 min
